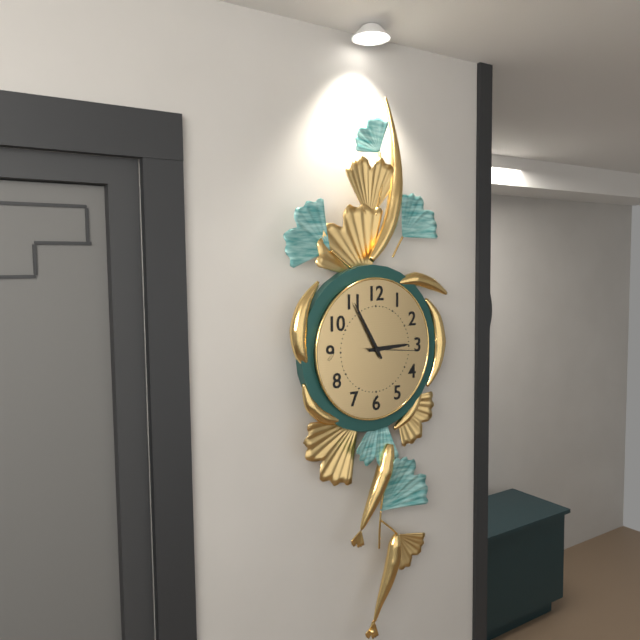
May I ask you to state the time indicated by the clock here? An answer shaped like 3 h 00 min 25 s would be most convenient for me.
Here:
2 h 55 min 16 s
